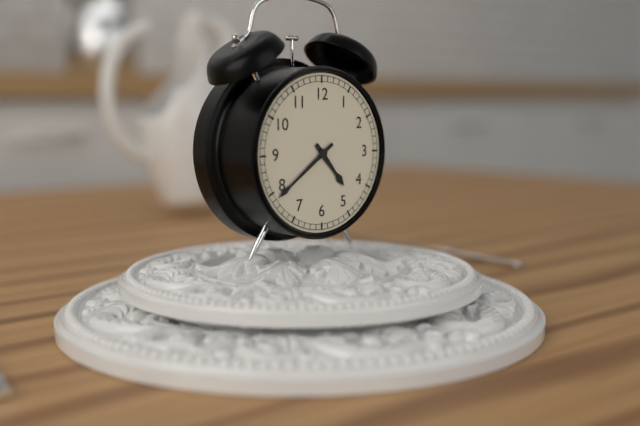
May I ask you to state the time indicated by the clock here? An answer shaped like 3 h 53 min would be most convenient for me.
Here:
4 h 39 min
